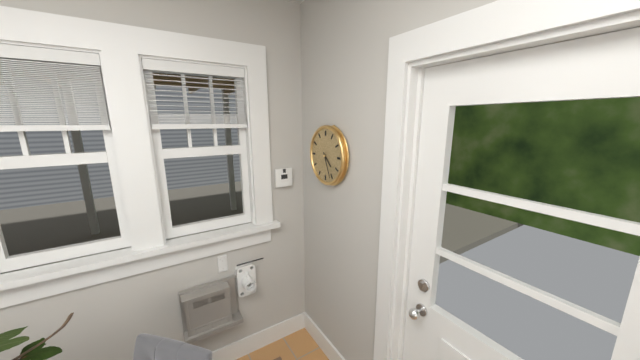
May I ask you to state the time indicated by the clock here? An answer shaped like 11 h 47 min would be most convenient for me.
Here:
4 h 26 min
